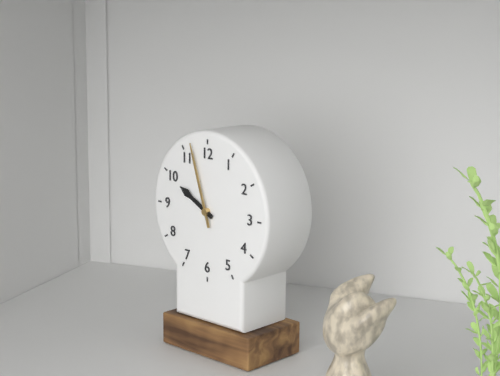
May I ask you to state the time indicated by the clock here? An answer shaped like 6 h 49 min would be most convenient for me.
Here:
9 h 57 min
